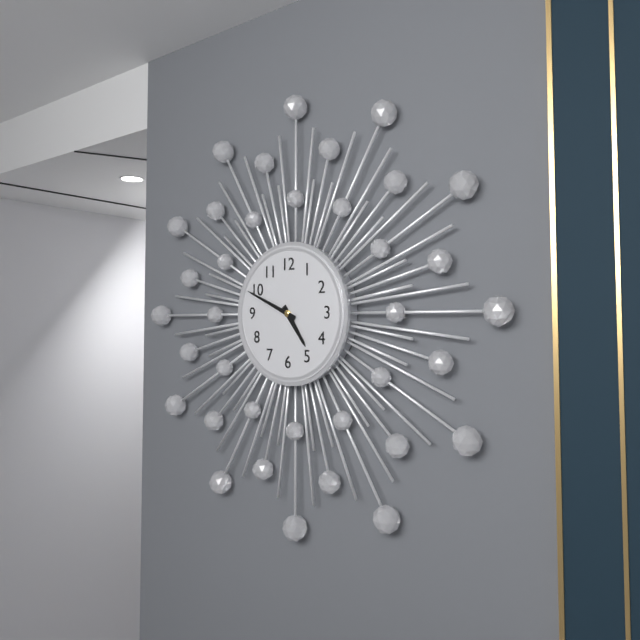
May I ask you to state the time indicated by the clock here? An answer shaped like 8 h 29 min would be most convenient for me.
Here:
4 h 49 min
